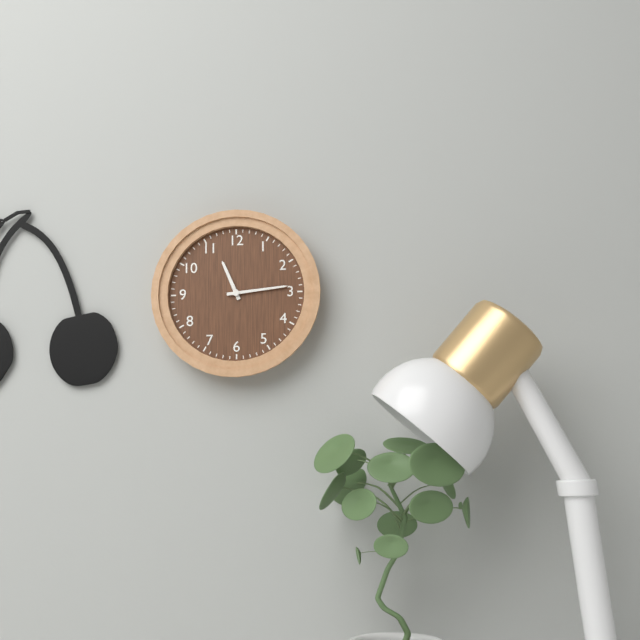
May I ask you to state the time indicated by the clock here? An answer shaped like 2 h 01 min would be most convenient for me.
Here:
11 h 14 min
